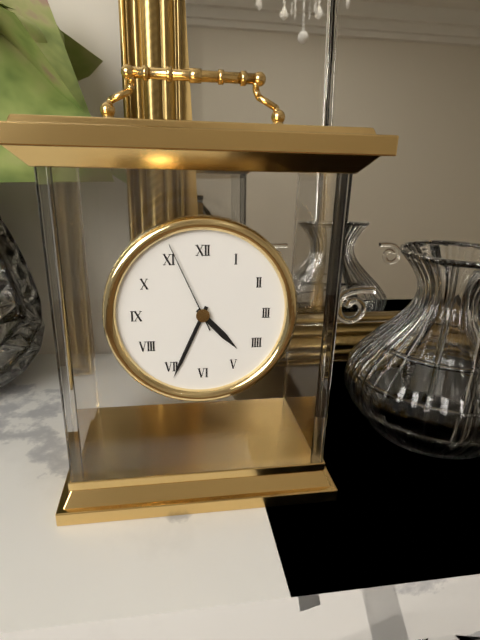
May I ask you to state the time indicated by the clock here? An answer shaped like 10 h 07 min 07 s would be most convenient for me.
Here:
4 h 34 min 56 s
